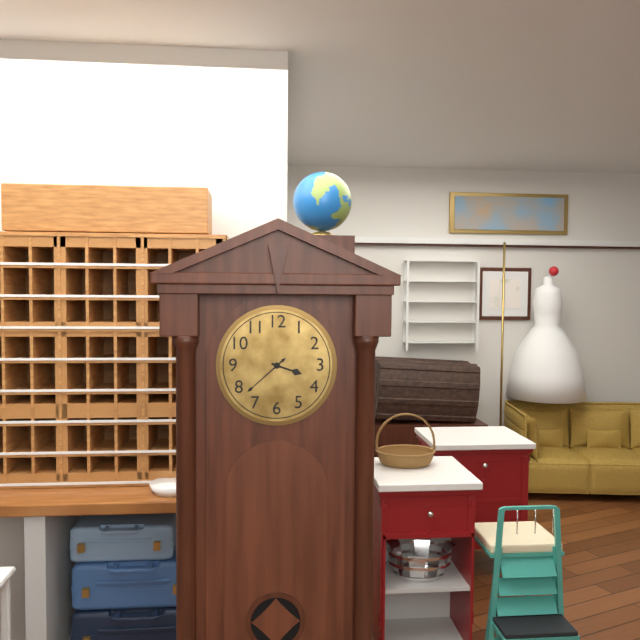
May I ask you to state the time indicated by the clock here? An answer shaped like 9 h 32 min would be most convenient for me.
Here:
3 h 38 min
